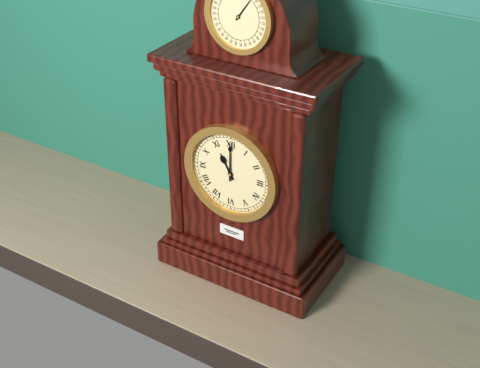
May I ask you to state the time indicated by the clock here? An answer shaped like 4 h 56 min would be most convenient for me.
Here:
11 h 00 min
